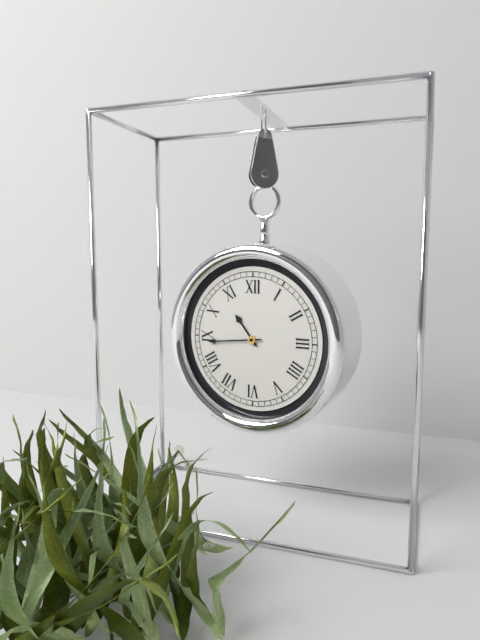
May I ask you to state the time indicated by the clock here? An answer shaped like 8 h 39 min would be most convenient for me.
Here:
10 h 44 min
